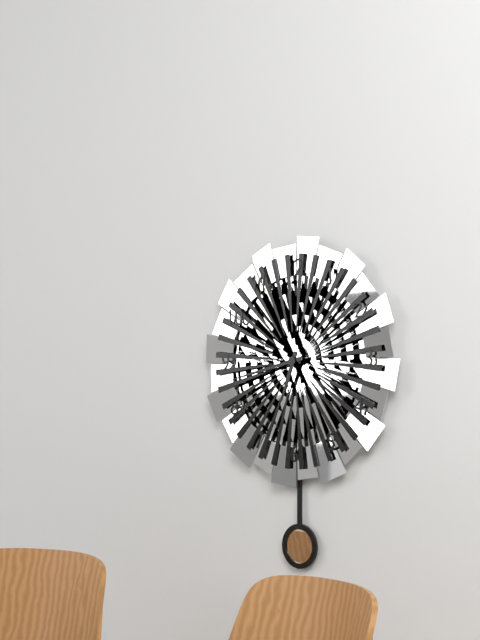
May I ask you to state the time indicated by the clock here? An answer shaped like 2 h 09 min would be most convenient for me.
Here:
6 h 43 min
